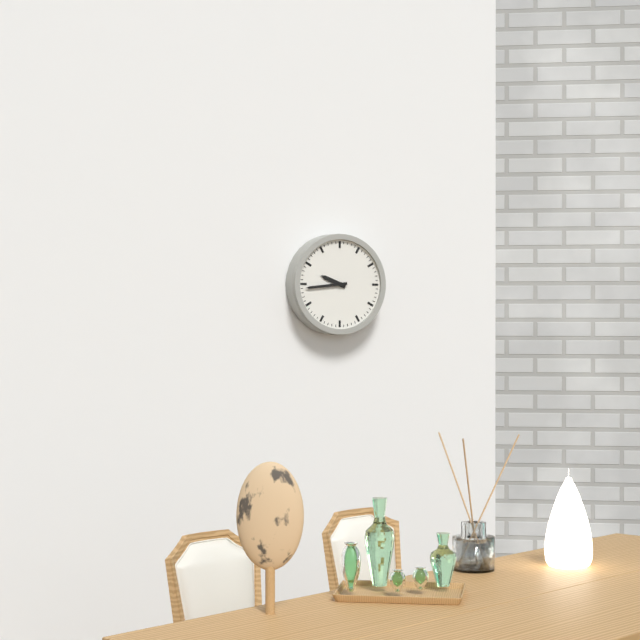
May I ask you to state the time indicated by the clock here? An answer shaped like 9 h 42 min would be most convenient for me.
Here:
9 h 44 min
